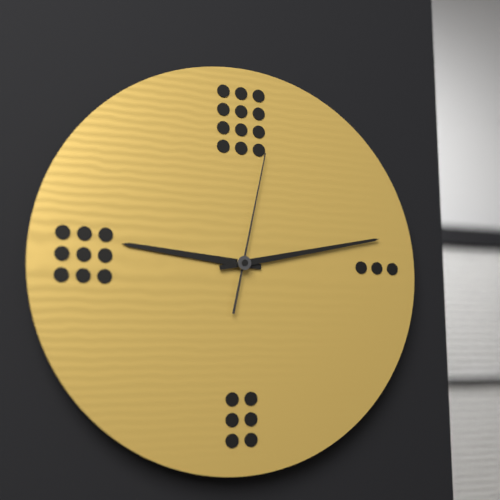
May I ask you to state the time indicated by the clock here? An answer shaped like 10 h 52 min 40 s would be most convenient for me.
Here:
9 h 13 min 02 s
